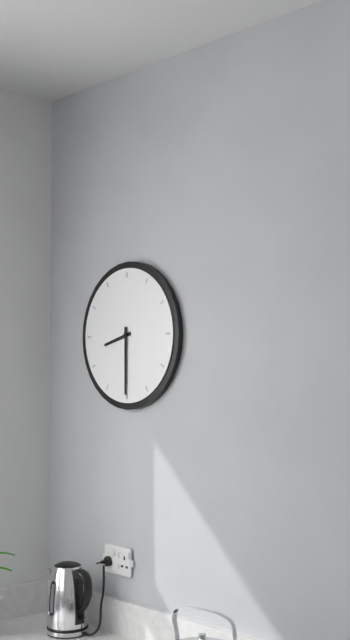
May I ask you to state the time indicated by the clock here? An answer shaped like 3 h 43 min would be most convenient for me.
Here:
8 h 30 min
